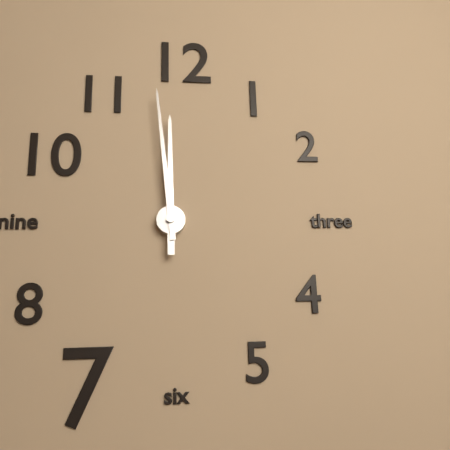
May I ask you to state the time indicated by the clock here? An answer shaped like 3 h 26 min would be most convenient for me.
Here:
11 h 59 min
